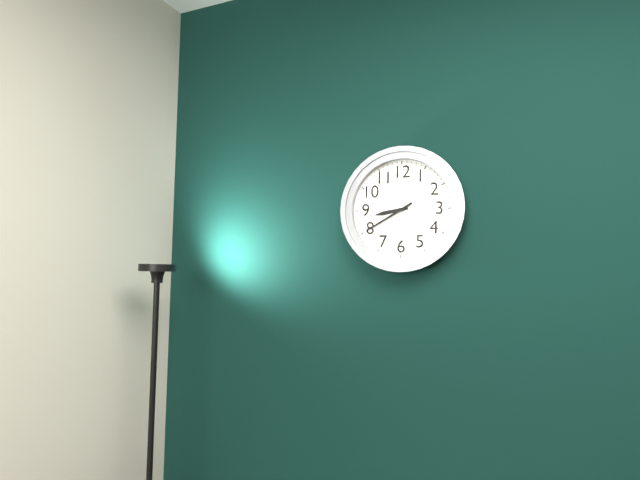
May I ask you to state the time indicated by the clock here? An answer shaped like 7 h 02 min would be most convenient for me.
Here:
8 h 40 min
